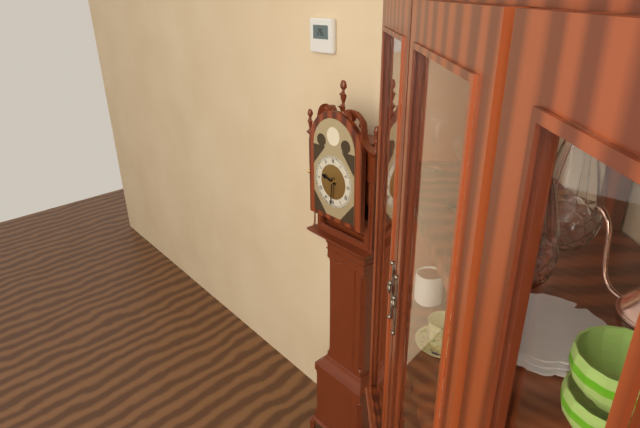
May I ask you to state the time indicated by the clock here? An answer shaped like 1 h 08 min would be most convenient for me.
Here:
9 h 31 min
